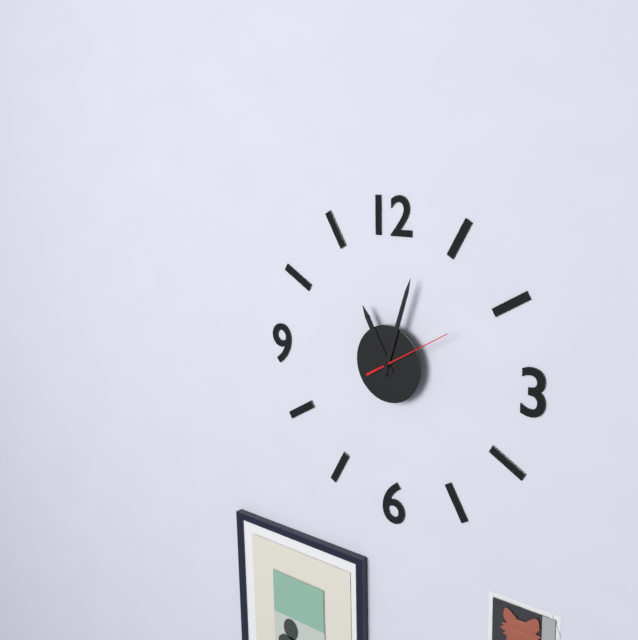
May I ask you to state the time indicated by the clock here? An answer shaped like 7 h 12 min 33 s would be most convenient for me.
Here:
11 h 03 min 10 s
